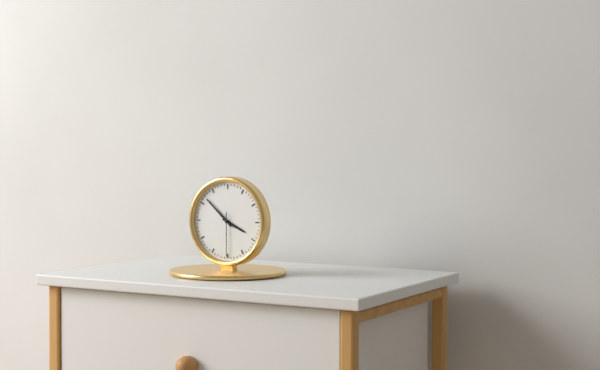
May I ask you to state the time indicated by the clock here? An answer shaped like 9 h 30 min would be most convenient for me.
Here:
3 h 52 min
